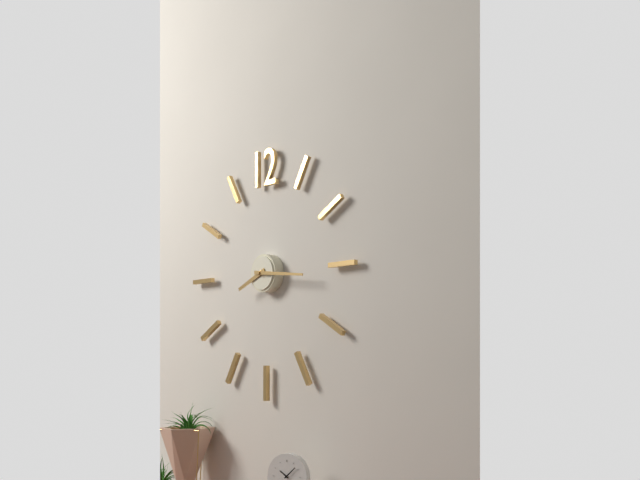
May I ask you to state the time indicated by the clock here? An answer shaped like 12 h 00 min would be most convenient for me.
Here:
8 h 16 min
